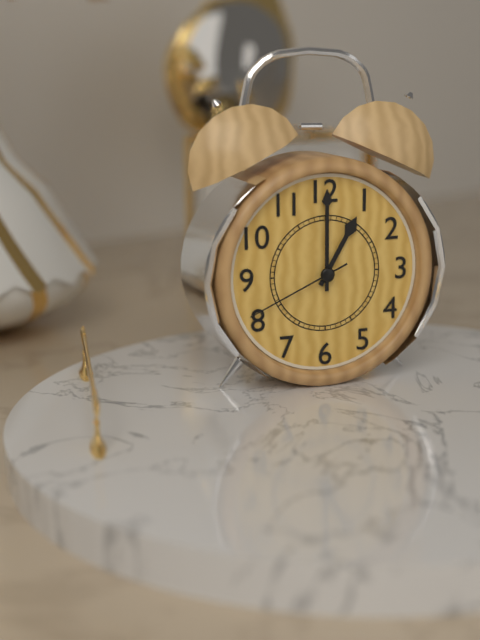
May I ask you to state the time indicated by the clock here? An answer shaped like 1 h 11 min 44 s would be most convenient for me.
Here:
1 h 00 min 41 s
